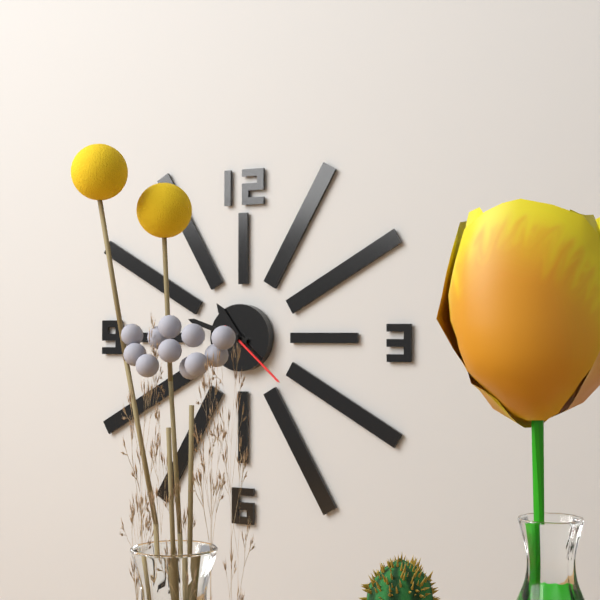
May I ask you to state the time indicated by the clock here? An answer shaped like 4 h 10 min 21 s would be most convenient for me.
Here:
10 h 48 min 22 s
